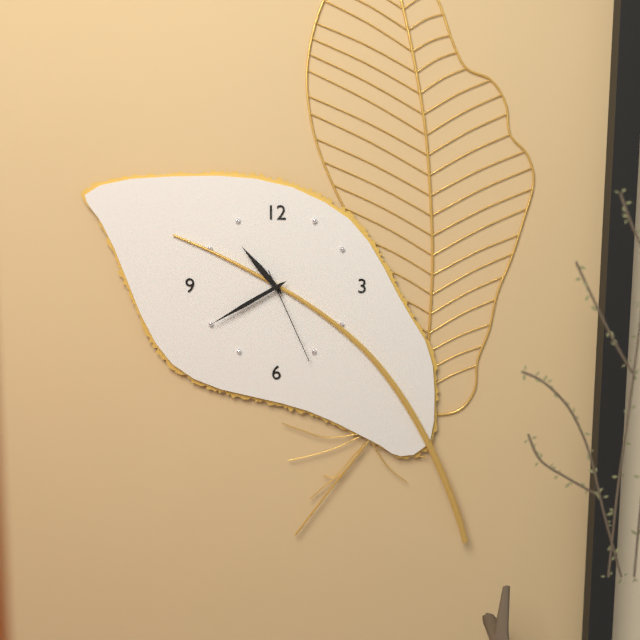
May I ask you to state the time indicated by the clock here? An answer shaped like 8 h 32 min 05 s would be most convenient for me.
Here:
10 h 40 min 26 s
